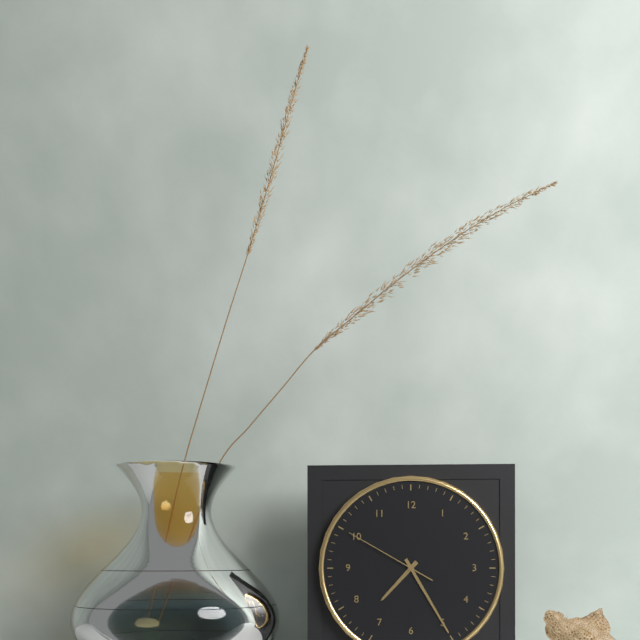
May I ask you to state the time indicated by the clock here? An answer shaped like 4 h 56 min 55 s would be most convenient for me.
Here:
7 h 25 min 50 s
